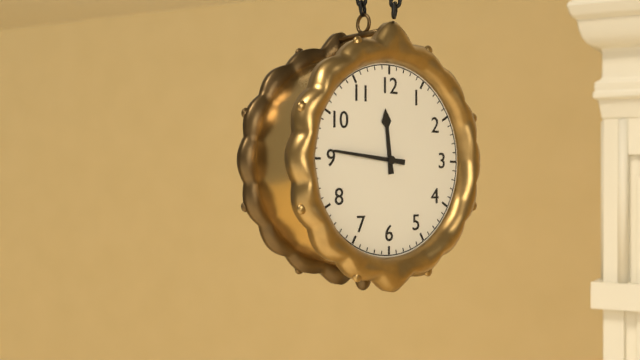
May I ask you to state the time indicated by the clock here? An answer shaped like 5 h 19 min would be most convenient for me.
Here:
11 h 46 min
